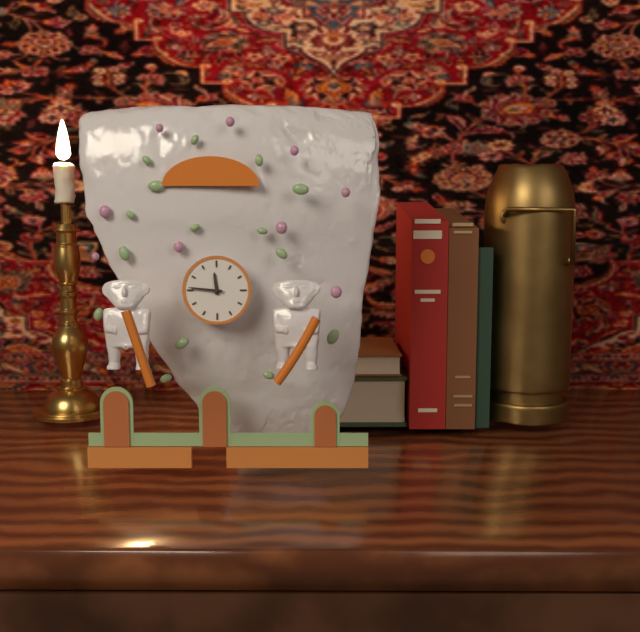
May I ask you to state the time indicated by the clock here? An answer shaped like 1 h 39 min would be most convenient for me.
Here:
11 h 46 min
